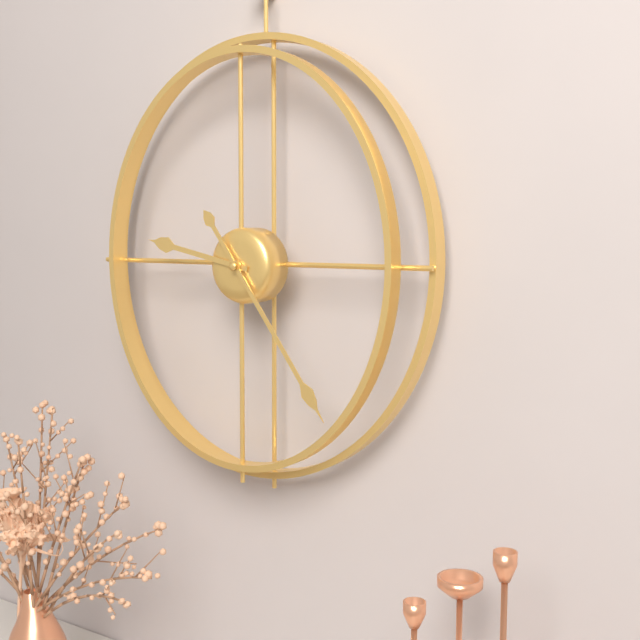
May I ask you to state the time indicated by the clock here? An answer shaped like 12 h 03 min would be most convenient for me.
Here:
9 h 24 min
